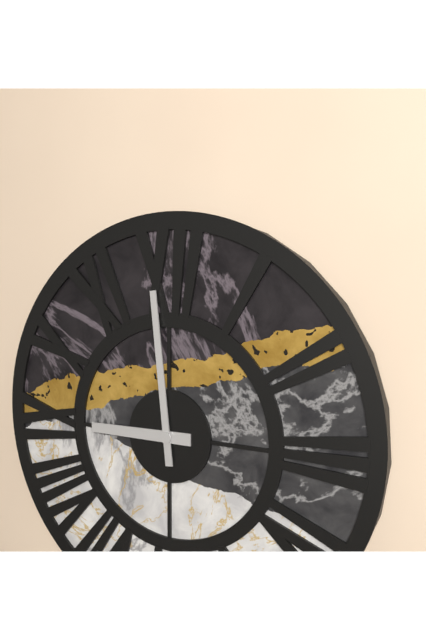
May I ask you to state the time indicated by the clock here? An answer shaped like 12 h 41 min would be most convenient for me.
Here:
8 h 59 min
